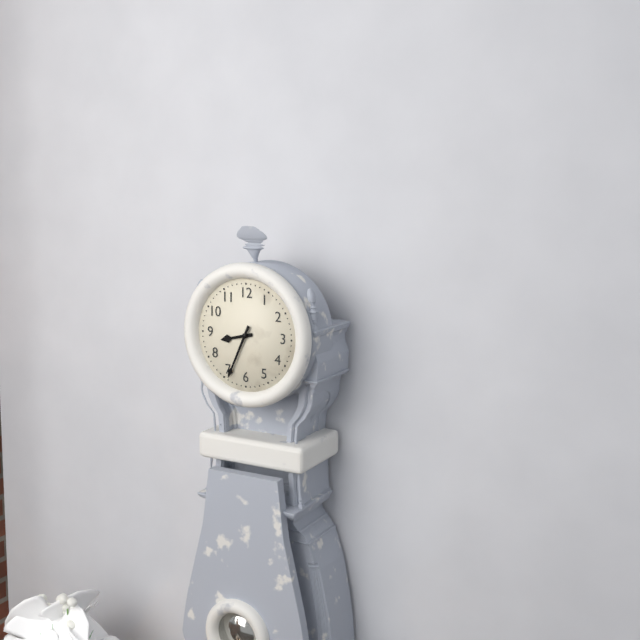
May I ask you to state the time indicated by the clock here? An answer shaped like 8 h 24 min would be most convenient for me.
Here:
8 h 34 min
